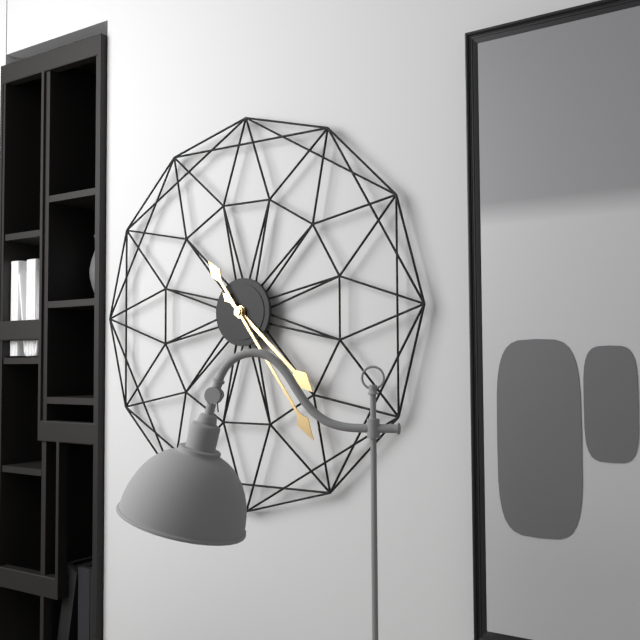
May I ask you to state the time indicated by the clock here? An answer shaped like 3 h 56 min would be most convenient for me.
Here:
4 h 24 min
